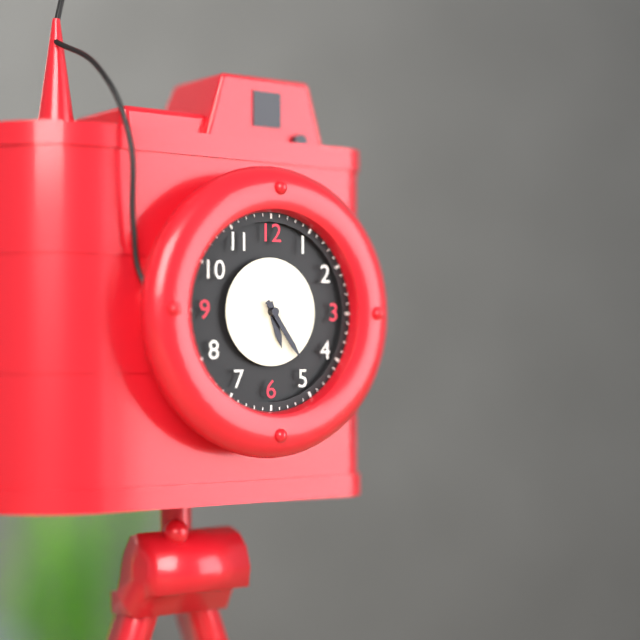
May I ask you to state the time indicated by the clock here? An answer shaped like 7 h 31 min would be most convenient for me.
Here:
5 h 24 min
